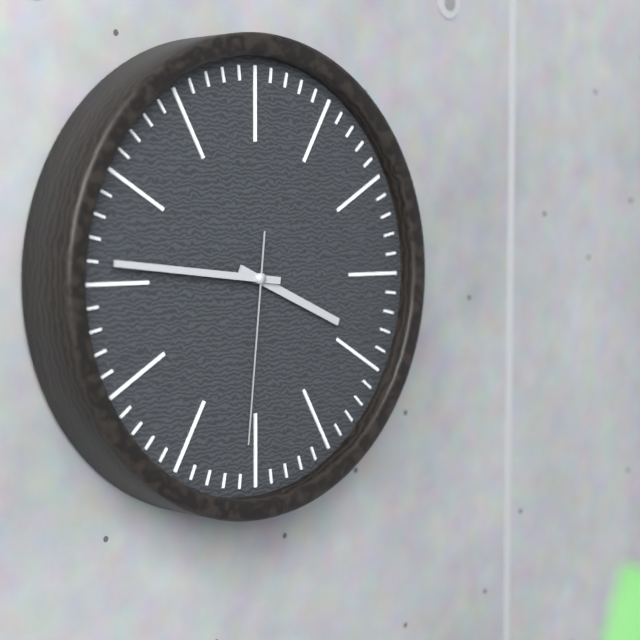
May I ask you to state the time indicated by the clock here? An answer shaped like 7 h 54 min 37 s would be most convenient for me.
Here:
3 h 46 min 31 s
